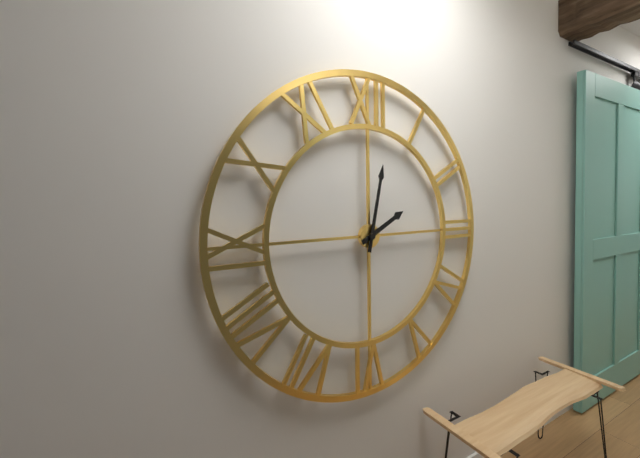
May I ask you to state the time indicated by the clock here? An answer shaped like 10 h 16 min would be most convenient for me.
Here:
2 h 02 min
